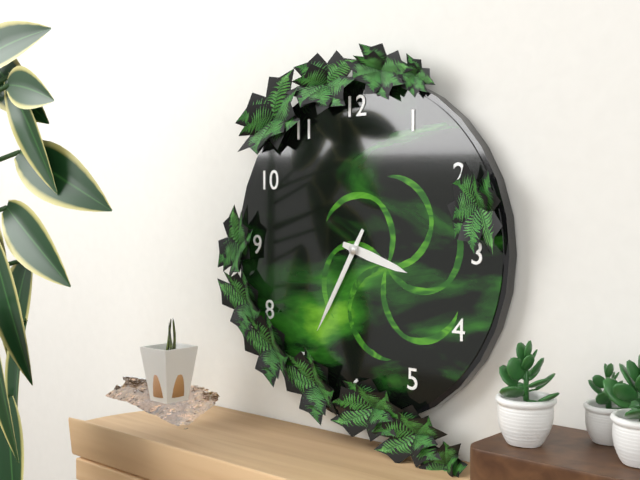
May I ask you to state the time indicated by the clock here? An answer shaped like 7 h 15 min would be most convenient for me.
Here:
3 h 35 min
